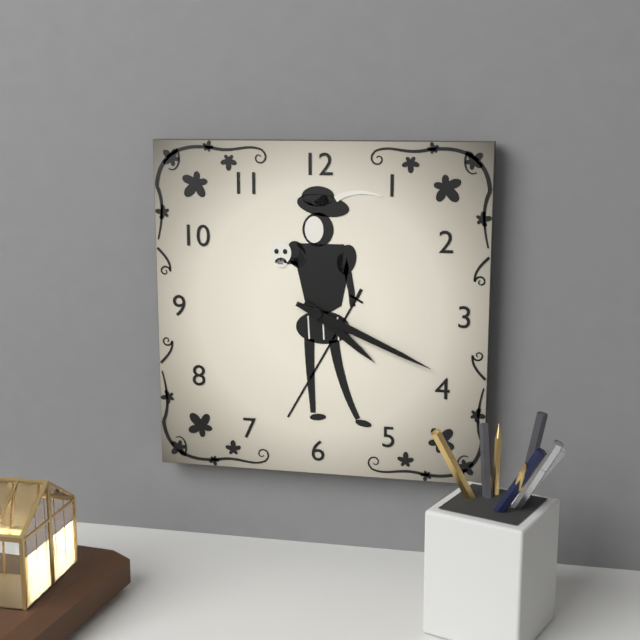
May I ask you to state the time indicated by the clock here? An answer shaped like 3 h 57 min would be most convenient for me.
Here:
4 h 19 min
